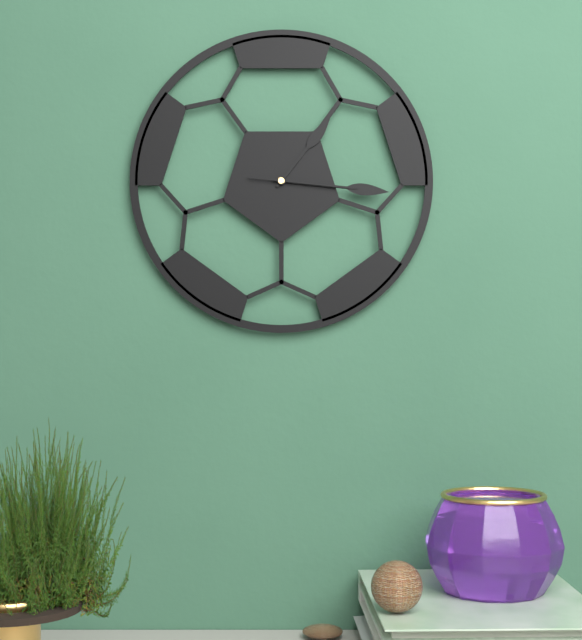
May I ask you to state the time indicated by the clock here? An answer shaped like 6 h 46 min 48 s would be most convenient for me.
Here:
1 h 16 min 16 s
